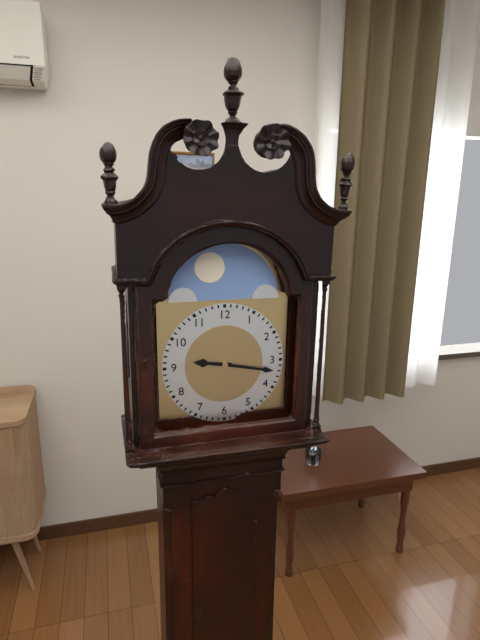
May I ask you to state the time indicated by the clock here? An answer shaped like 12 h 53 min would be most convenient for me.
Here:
9 h 17 min
